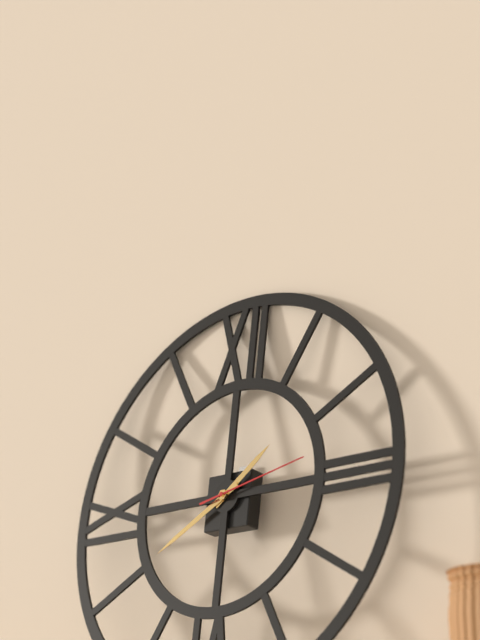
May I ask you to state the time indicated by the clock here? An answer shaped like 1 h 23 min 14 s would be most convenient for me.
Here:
1 h 40 min 13 s
